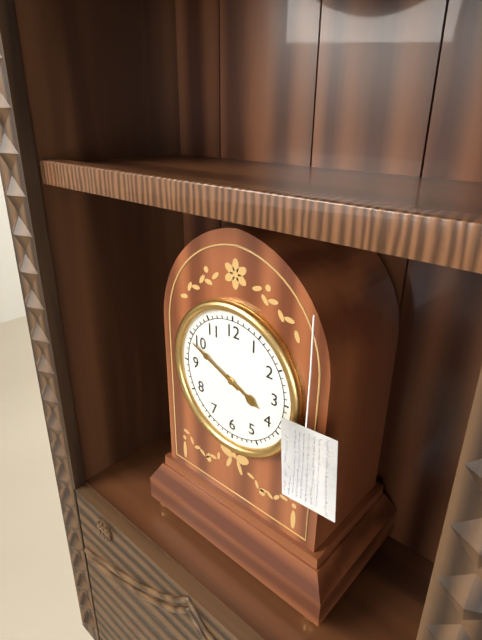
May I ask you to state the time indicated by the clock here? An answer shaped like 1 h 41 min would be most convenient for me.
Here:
3 h 49 min
